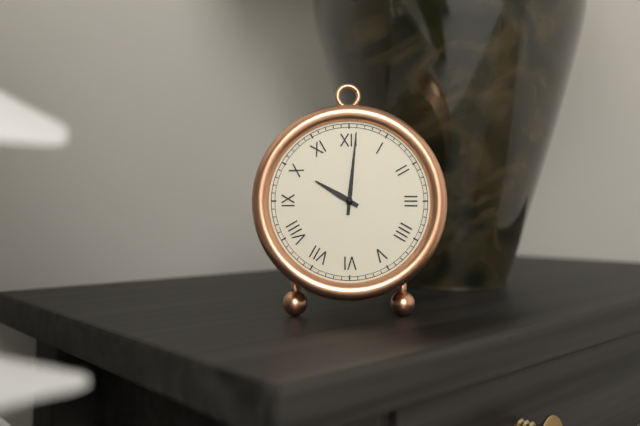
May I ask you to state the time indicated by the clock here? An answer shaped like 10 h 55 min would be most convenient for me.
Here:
10 h 01 min
